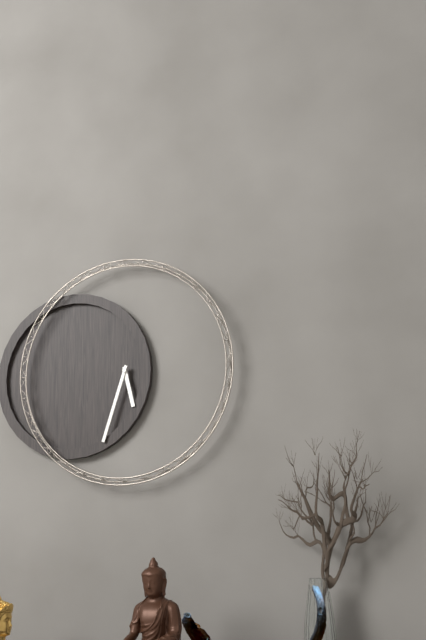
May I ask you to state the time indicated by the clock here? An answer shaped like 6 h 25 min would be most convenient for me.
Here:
5 h 33 min
